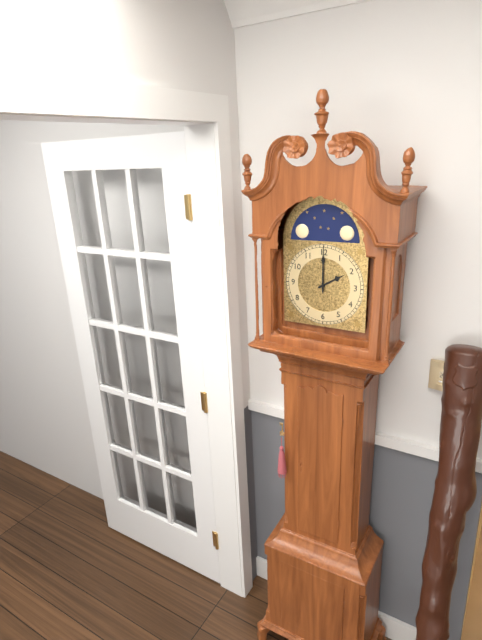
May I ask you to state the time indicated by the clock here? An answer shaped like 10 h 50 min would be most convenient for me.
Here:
2 h 00 min
